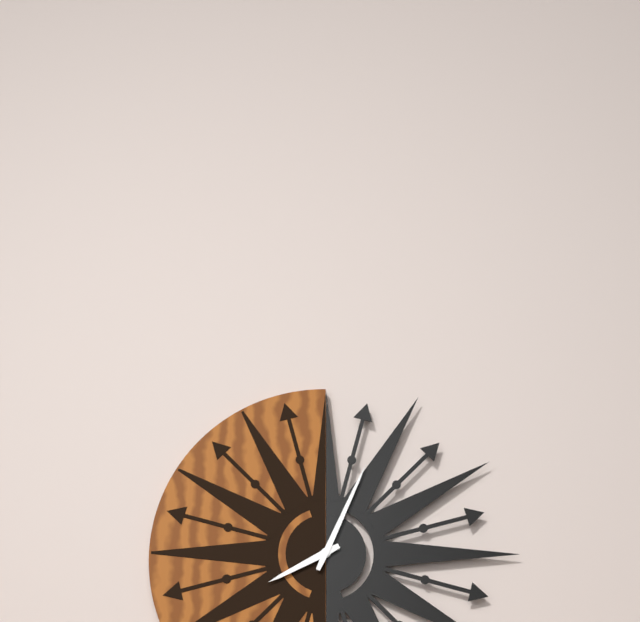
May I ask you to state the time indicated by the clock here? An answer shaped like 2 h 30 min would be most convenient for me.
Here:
8 h 04 min
